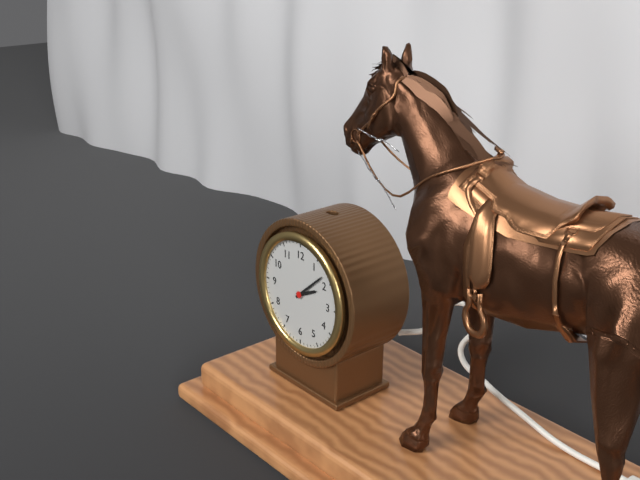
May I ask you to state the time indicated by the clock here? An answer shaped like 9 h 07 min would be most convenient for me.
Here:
2 h 08 min
